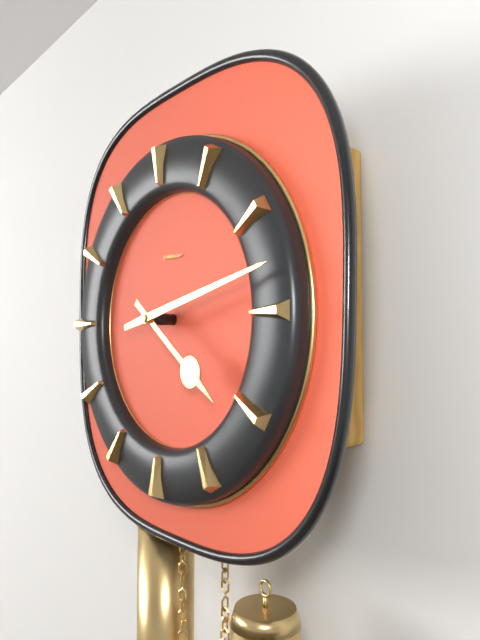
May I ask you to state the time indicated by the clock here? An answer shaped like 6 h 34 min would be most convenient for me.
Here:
4 h 13 min
